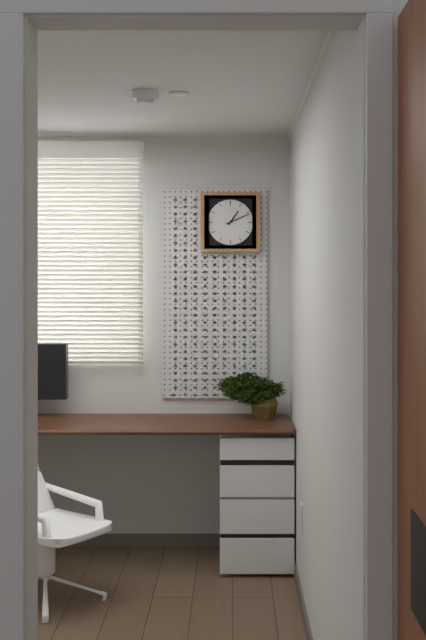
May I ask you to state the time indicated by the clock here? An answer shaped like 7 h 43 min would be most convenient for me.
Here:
1 h 11 min
